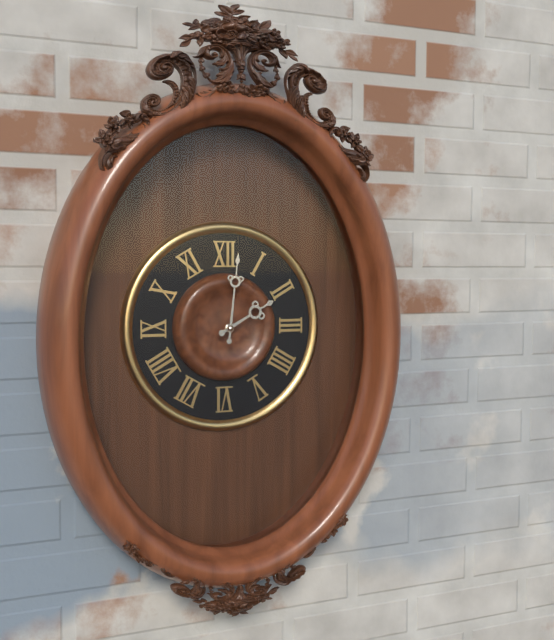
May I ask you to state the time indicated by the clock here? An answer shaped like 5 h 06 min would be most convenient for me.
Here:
2 h 01 min
